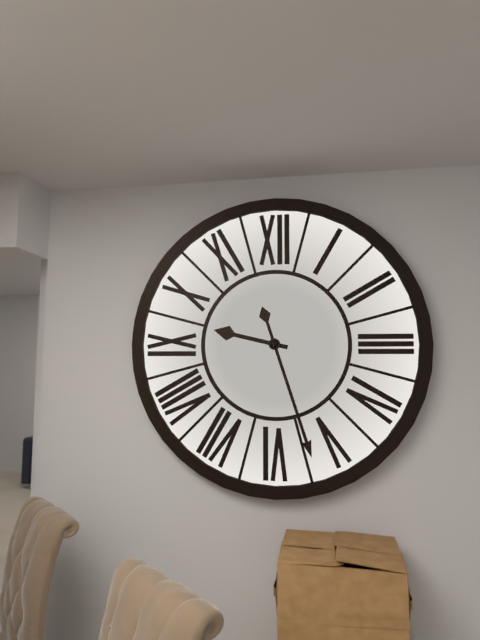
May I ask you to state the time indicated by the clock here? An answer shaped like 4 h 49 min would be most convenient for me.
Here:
9 h 27 min
